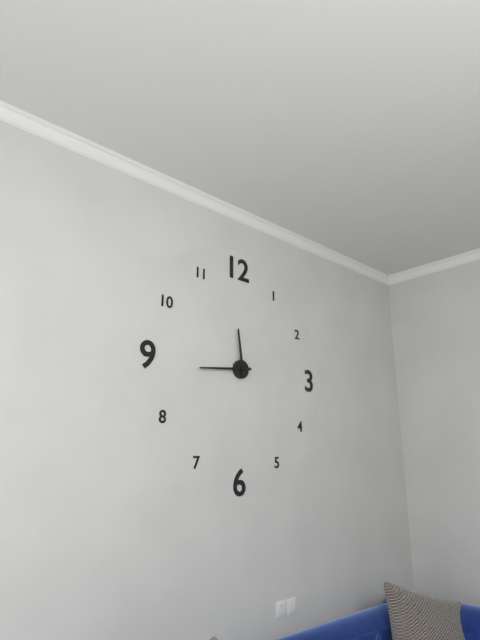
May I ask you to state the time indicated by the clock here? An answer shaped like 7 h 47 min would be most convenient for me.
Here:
11 h 44 min
